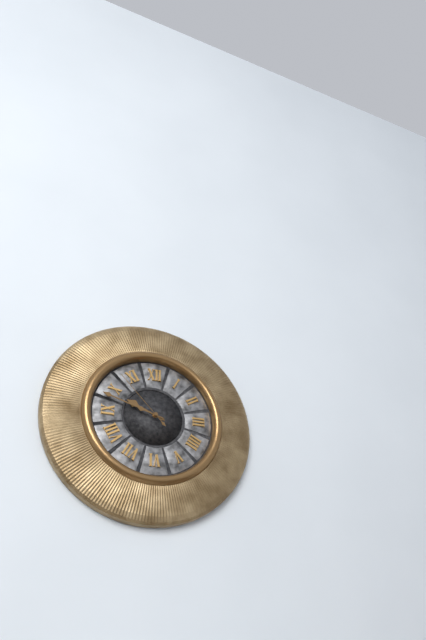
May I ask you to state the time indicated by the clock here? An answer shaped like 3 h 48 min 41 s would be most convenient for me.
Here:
9 h 48 min 53 s
